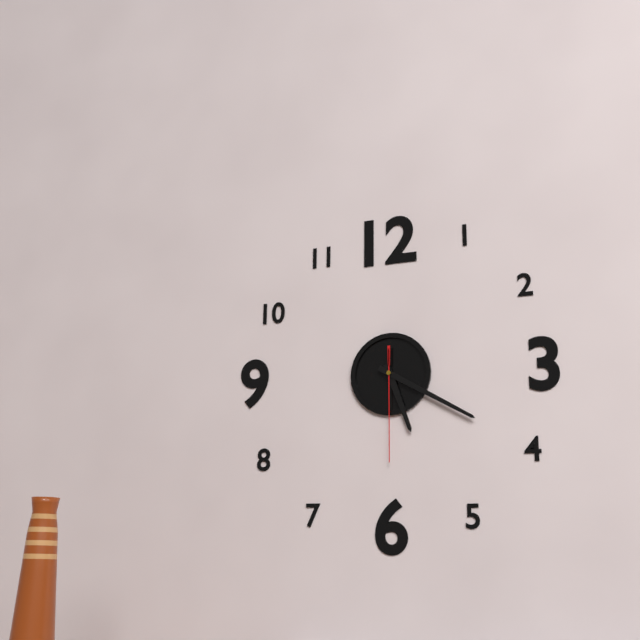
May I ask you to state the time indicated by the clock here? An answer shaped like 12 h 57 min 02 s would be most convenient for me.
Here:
5 h 20 min 30 s
